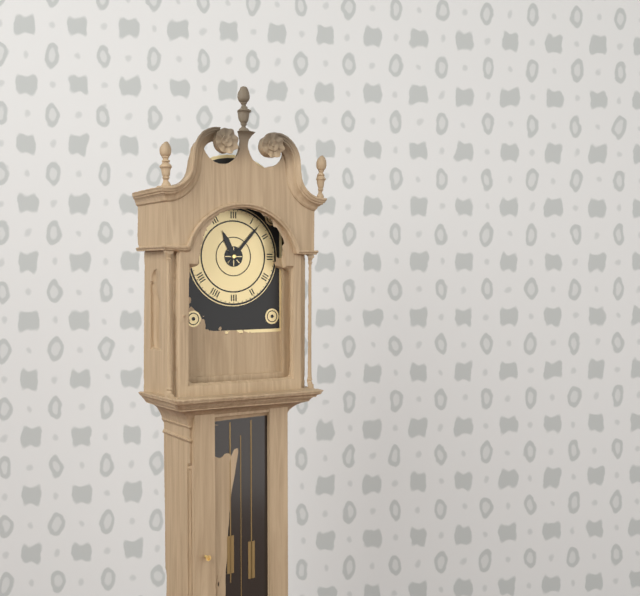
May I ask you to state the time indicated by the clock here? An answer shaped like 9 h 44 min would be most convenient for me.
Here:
11 h 07 min
